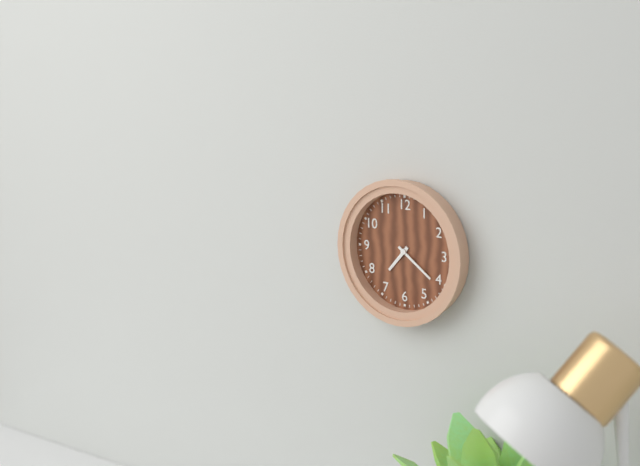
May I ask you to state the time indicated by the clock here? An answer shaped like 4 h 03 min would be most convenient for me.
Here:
7 h 21 min
